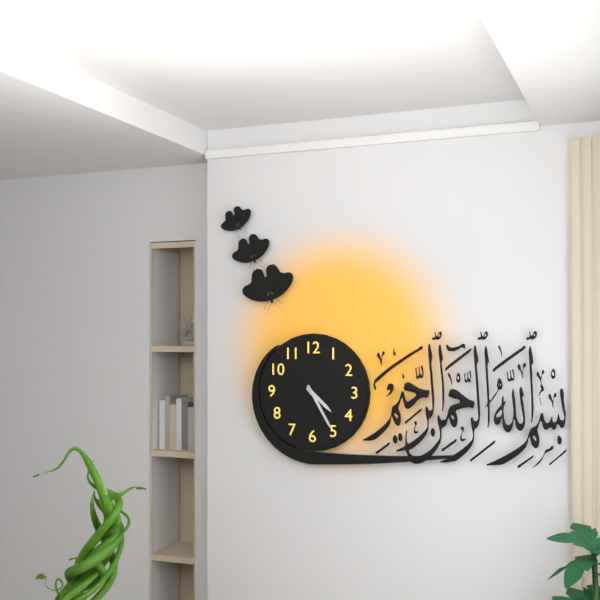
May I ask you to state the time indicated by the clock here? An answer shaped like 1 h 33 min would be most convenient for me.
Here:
4 h 25 min
